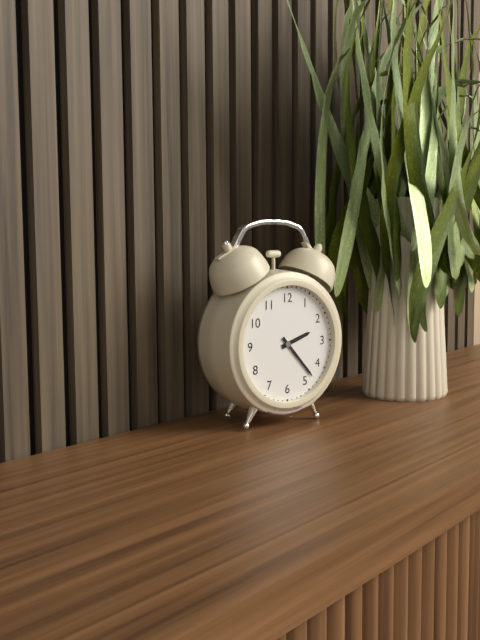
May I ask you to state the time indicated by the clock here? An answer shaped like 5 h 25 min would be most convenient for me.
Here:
2 h 23 min
